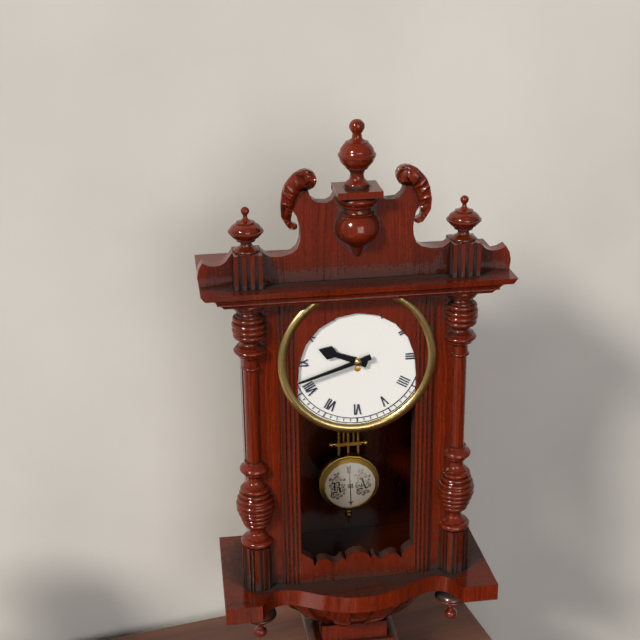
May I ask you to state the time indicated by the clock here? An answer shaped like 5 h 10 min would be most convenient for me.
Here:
9 h 42 min
